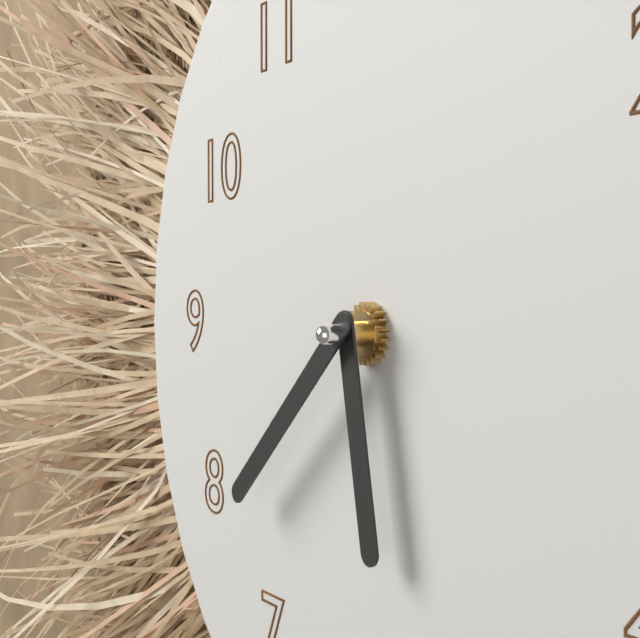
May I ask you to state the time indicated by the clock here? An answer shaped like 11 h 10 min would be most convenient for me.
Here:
5 h 38 min
